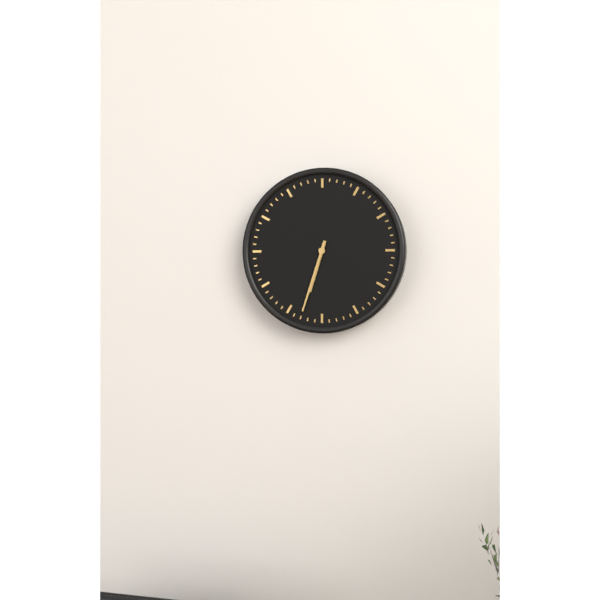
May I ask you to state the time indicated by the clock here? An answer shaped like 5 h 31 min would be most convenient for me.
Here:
6 h 33 min
